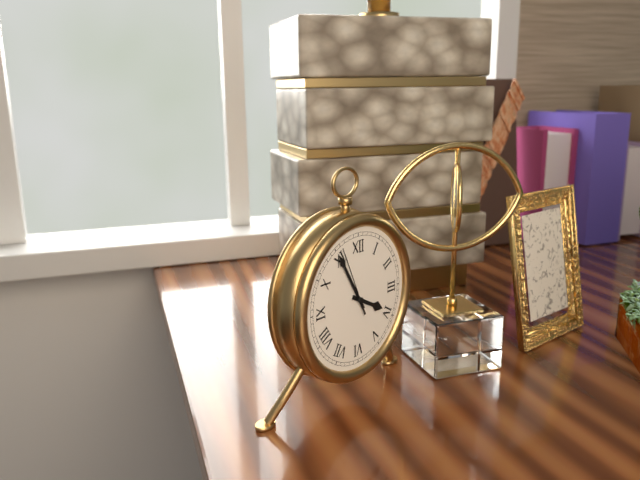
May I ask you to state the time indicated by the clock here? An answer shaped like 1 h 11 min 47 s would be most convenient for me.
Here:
3 h 55 min 56 s
